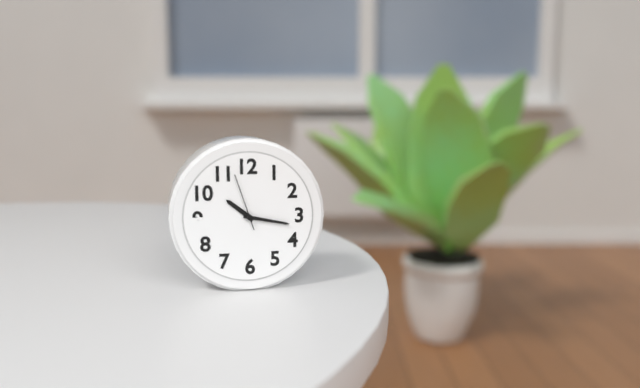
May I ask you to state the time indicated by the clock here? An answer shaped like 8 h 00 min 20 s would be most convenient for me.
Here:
10 h 17 min 57 s
